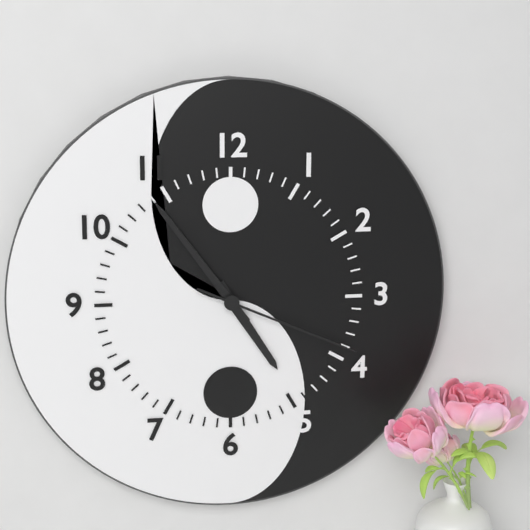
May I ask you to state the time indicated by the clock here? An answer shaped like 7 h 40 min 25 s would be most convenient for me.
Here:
4 h 54 min 19 s
